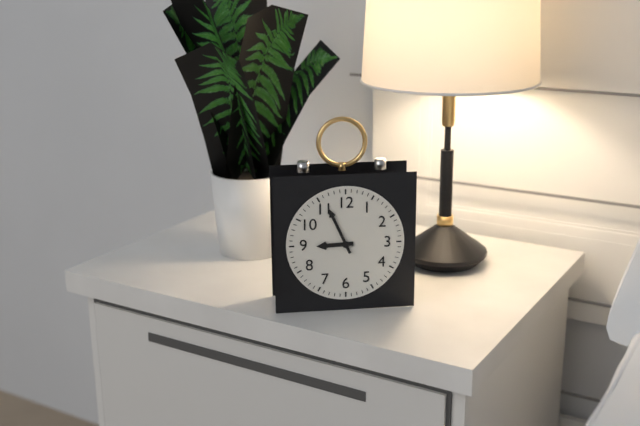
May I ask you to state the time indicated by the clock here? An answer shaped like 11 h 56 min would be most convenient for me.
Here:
8 h 56 min
